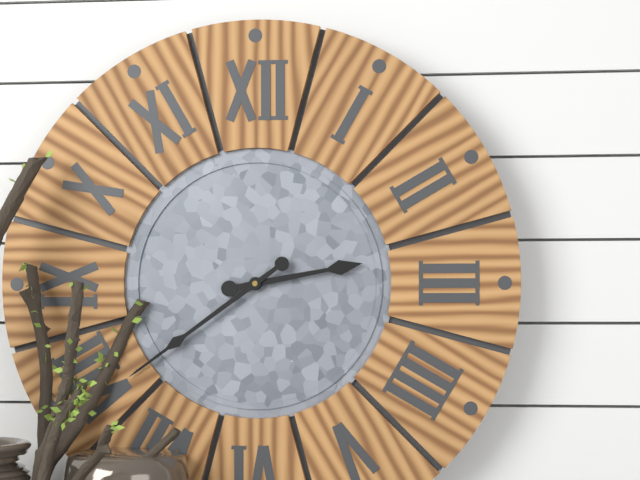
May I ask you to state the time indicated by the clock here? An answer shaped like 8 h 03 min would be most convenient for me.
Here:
2 h 39 min
